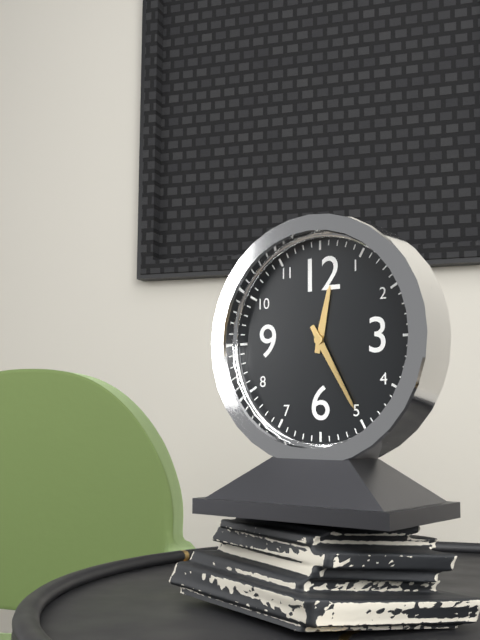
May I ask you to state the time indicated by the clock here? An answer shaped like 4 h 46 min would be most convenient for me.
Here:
12 h 25 min
